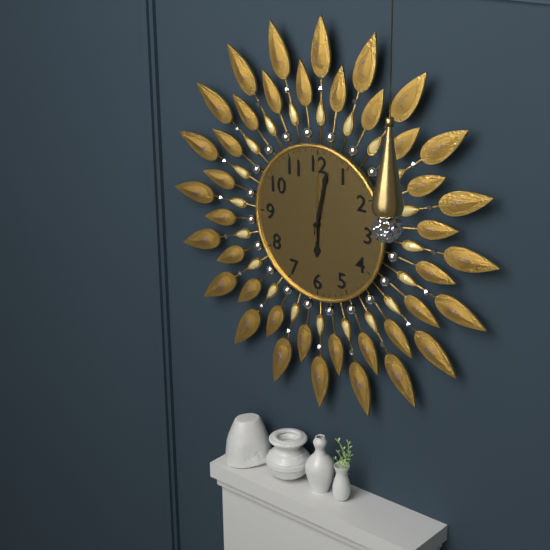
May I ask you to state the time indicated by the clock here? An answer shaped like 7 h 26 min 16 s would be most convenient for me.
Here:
6 h 02 min 00 s
